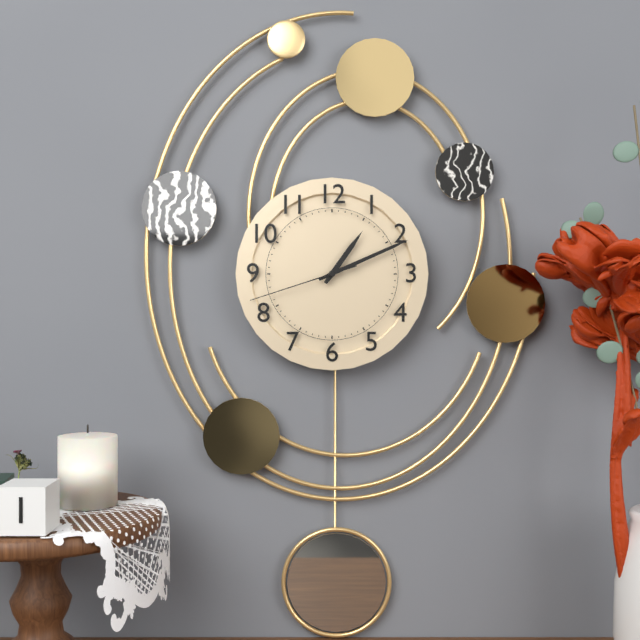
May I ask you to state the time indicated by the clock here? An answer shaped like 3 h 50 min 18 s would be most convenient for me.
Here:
1 h 11 min 42 s
